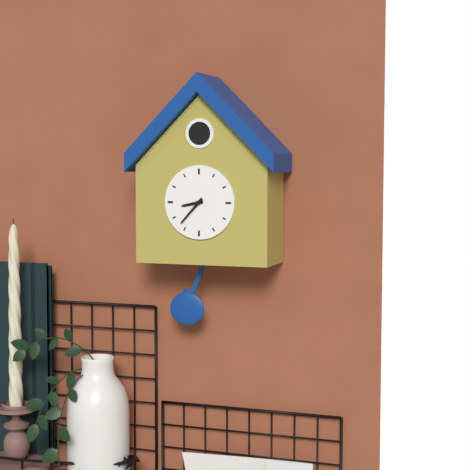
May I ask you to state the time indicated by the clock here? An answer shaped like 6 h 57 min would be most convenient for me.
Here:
8 h 37 min
